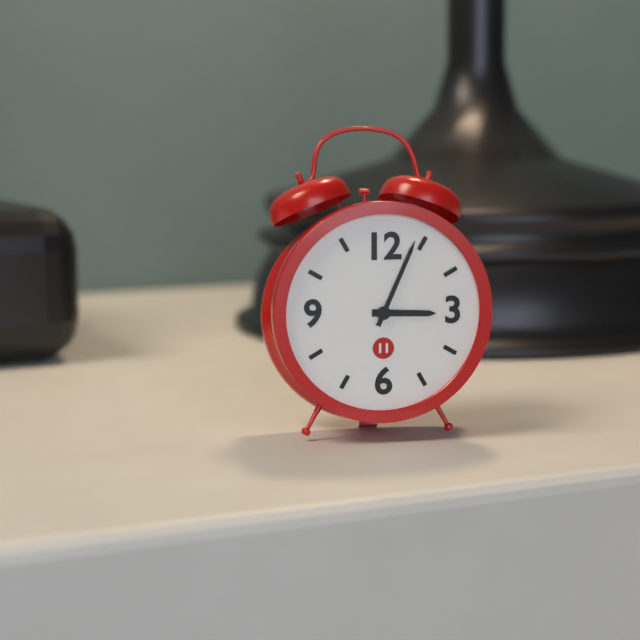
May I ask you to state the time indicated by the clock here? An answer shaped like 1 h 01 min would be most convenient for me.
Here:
3 h 04 min
